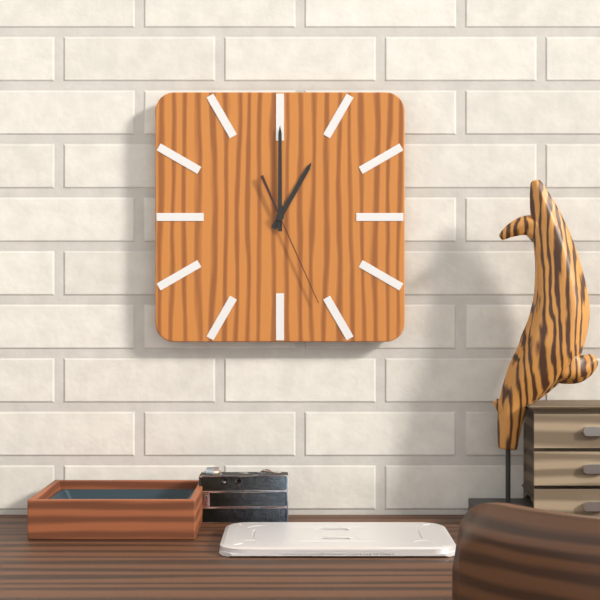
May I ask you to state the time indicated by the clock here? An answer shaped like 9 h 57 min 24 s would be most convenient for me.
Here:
1 h 00 min 26 s
